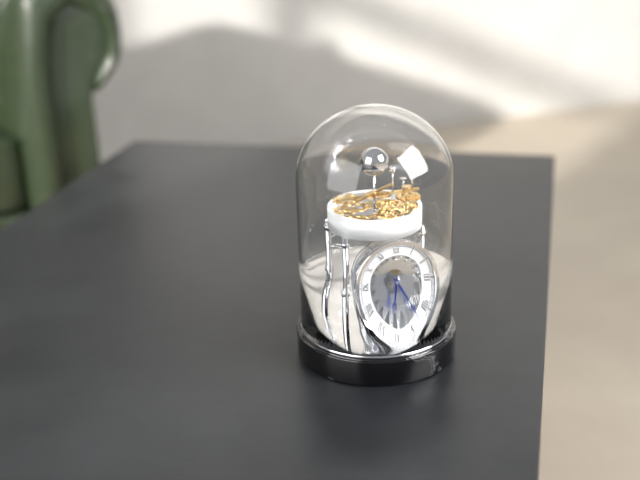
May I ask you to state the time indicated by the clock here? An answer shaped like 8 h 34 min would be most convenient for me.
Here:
6 h 23 min
